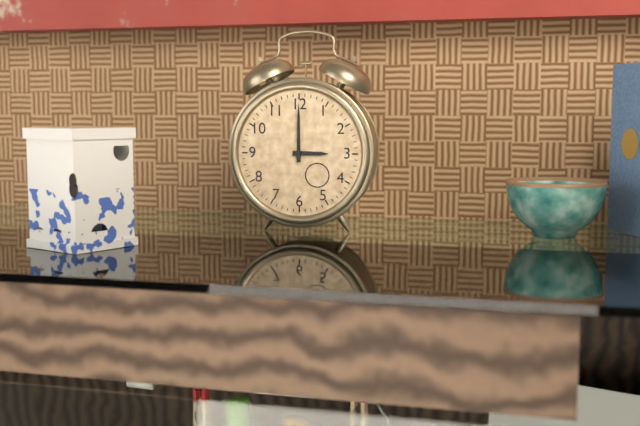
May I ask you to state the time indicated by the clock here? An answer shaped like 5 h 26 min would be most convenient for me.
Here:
3 h 00 min
